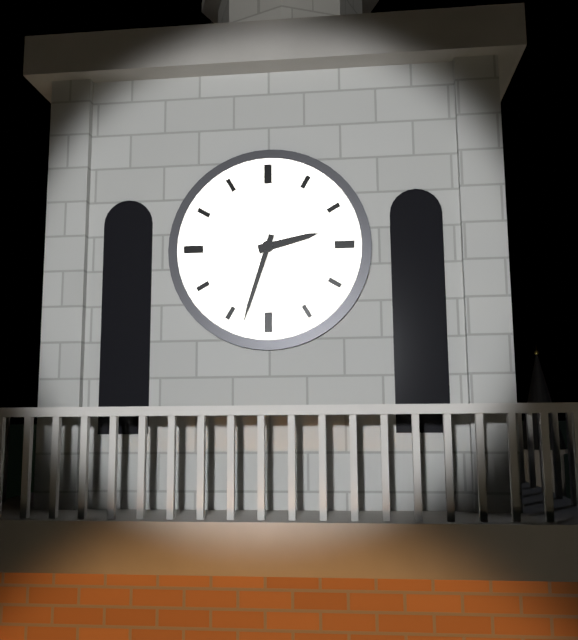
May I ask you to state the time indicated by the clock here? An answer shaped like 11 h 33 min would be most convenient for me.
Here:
2 h 33 min
